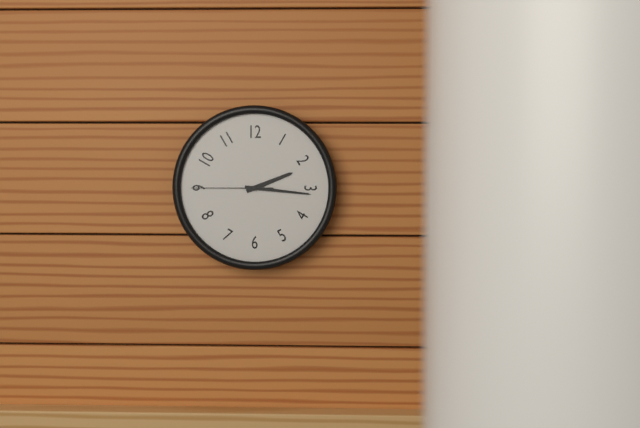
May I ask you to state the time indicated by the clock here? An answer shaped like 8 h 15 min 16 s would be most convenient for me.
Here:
2 h 16 min 45 s
